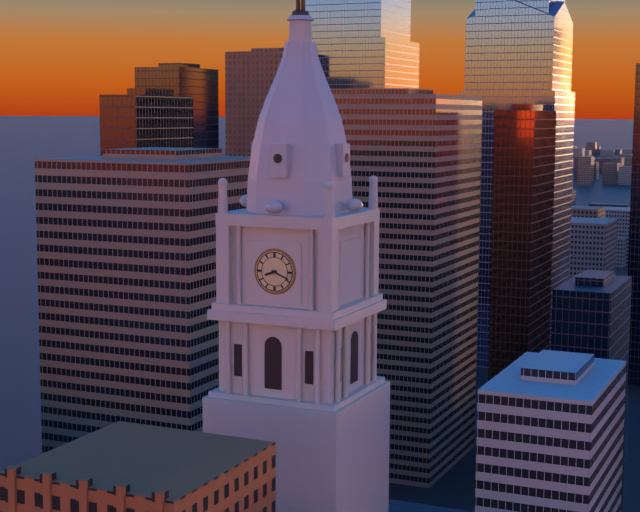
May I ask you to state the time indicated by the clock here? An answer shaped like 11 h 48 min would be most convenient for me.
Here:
8 h 19 min
